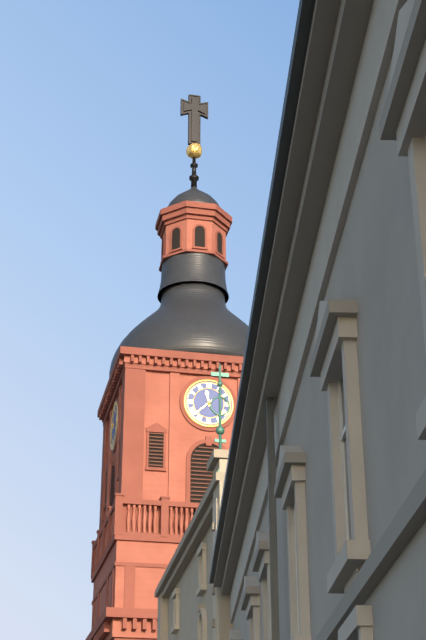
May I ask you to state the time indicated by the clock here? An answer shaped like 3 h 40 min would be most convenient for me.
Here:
11 h 38 min
